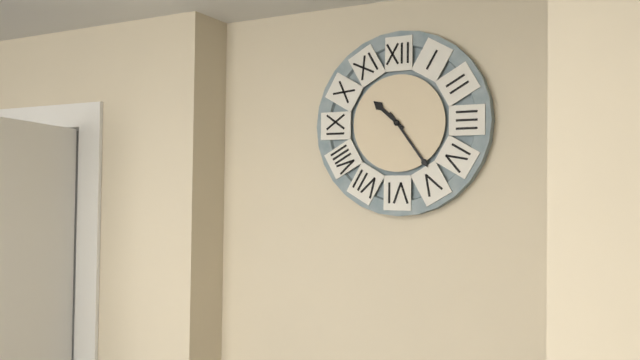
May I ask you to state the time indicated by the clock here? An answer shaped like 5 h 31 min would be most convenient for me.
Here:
10 h 24 min
